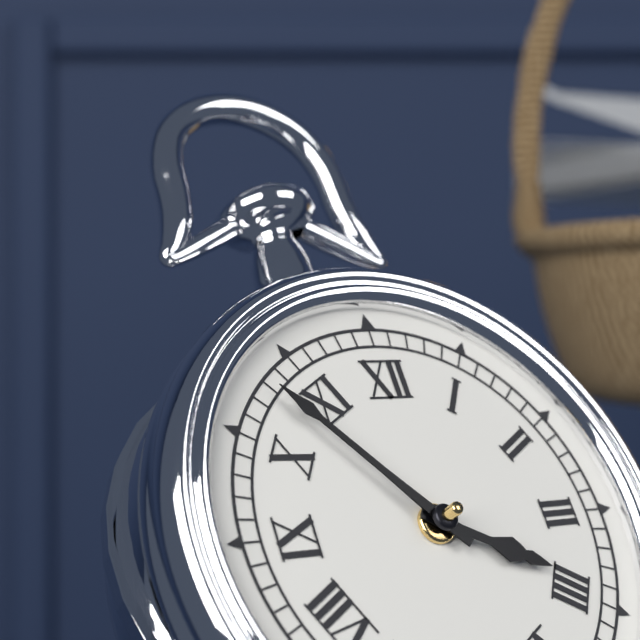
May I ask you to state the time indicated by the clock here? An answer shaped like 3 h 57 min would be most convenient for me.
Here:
3 h 53 min
